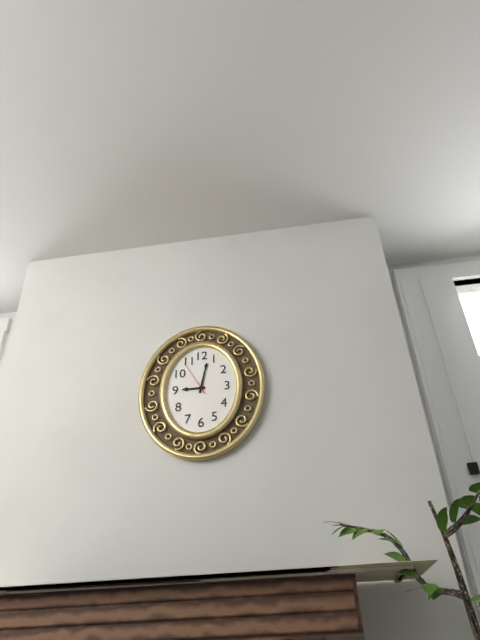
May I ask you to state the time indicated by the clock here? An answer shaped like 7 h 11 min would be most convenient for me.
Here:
9 h 02 min
